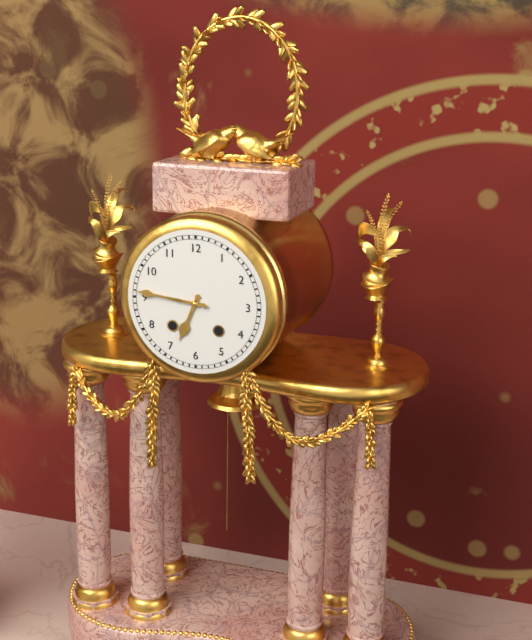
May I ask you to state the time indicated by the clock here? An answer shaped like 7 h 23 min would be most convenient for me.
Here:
6 h 46 min
